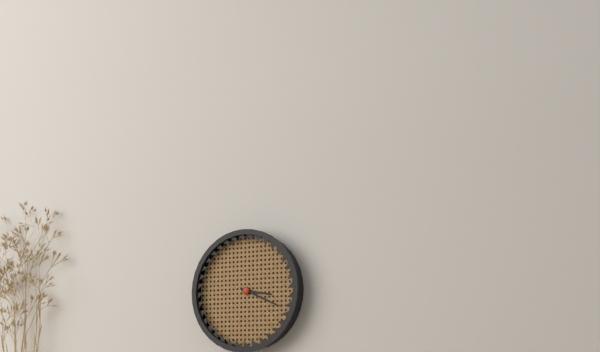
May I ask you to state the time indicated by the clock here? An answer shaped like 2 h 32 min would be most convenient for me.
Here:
3 h 19 min
